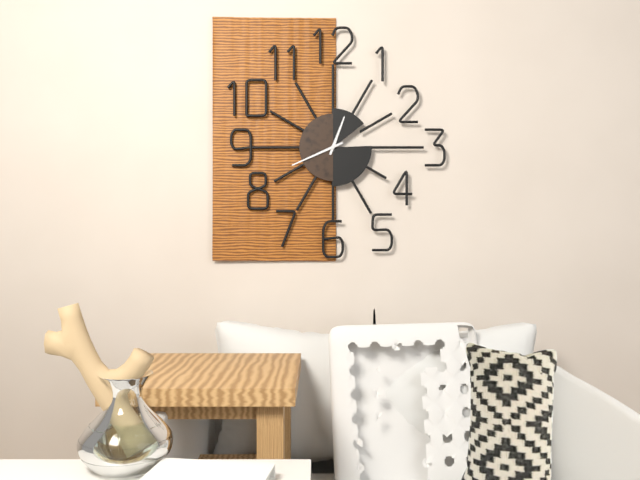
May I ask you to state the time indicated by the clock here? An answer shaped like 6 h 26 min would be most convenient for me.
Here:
12 h 41 min
